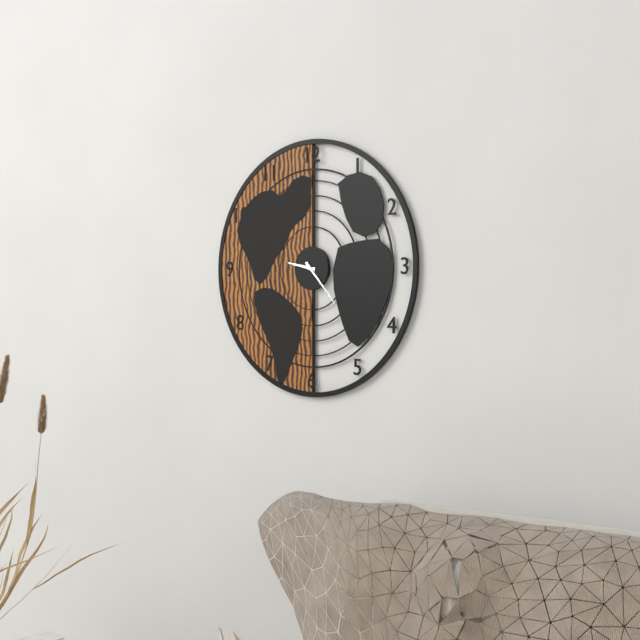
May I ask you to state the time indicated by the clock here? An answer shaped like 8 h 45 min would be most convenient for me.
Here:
9 h 23 min
